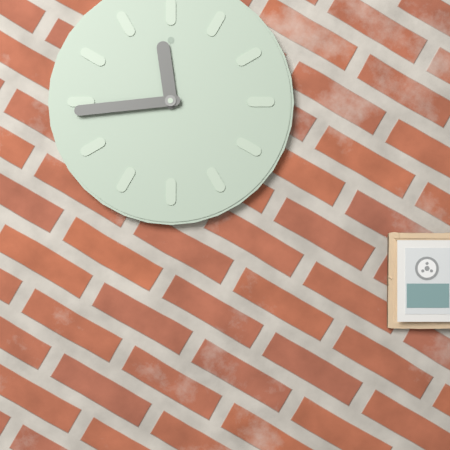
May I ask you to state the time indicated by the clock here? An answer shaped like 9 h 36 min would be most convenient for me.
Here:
11 h 44 min
